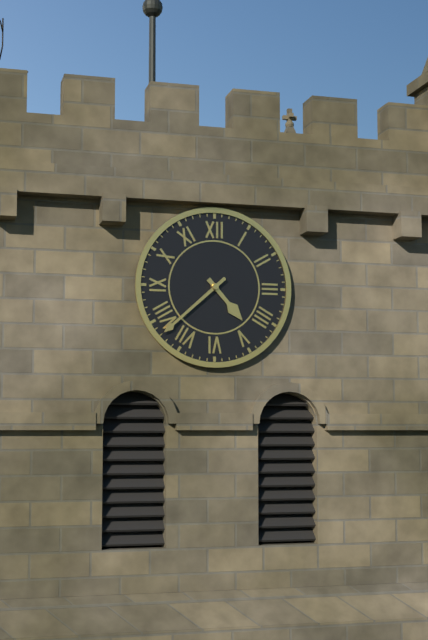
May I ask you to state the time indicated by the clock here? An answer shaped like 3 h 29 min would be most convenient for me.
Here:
4 h 38 min
